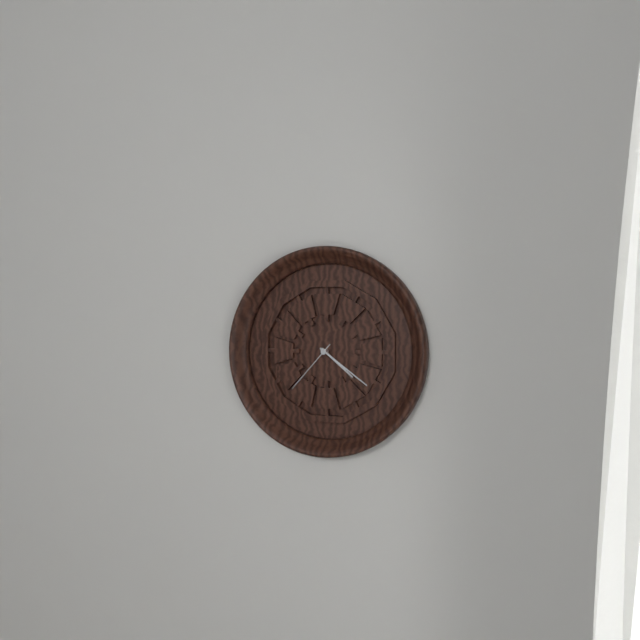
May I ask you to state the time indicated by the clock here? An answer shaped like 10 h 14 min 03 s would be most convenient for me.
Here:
4 h 21 min 37 s
